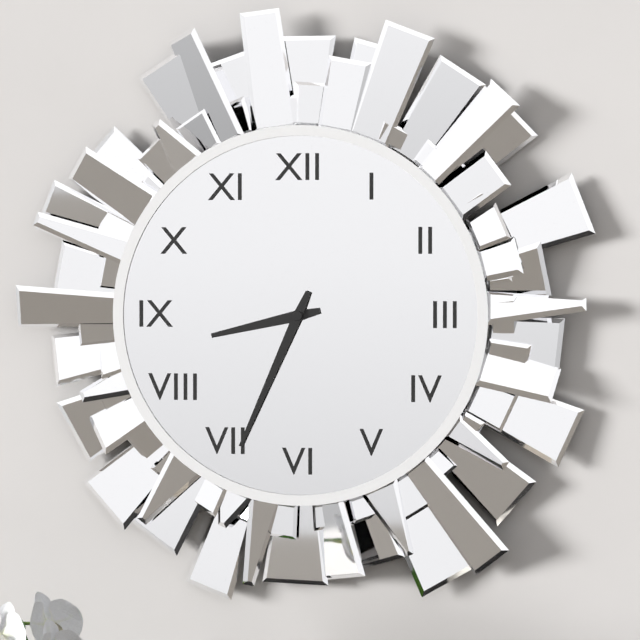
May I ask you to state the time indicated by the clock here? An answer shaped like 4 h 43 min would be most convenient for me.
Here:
8 h 34 min
